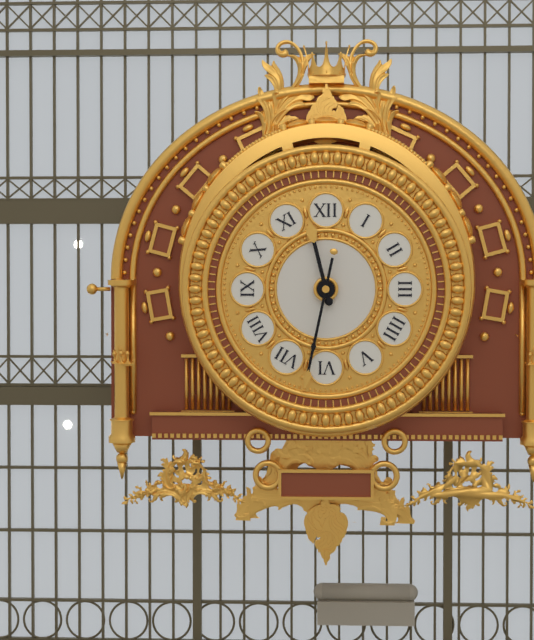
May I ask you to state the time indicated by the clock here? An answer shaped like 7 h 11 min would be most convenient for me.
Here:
11 h 32 min
